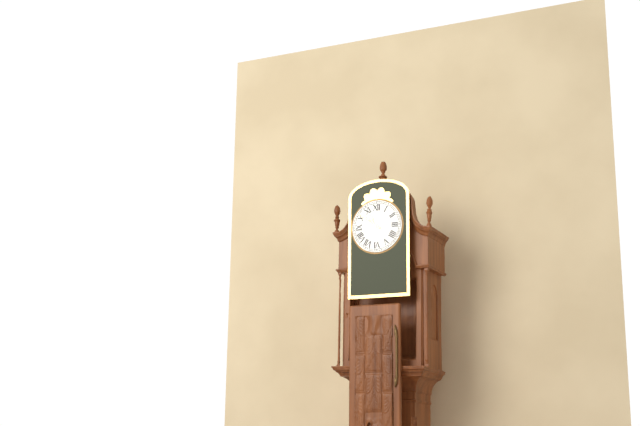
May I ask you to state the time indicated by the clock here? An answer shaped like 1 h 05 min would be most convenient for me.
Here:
10 h 51 min
